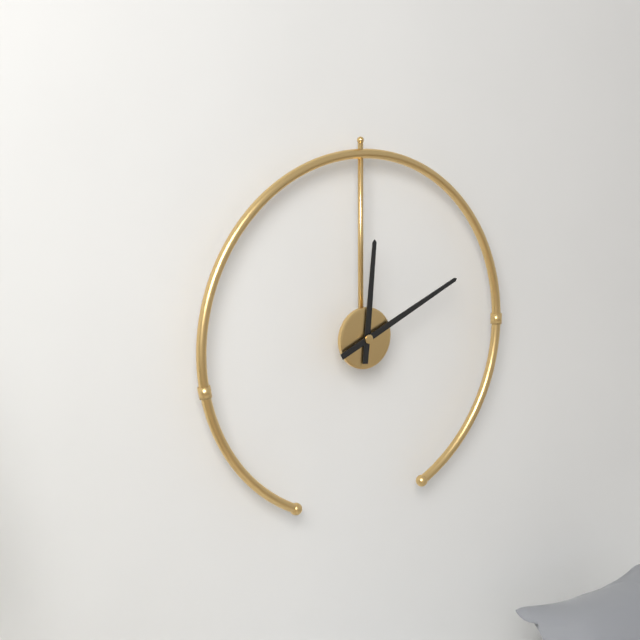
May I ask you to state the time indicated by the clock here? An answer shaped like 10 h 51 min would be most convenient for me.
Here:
12 h 11 min
